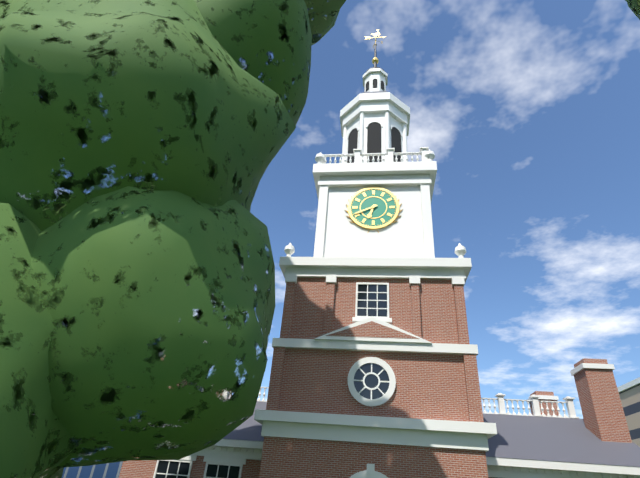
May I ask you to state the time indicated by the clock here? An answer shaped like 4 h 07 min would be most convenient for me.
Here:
6 h 41 min
